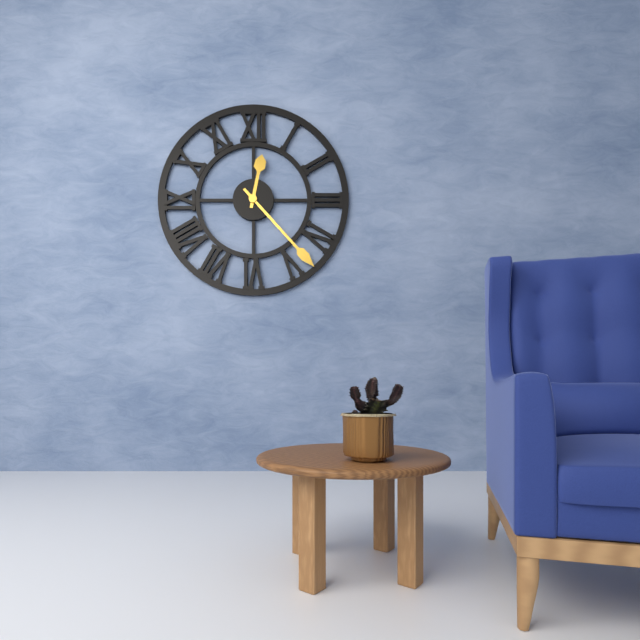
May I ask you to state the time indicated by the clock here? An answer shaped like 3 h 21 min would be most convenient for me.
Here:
12 h 23 min
